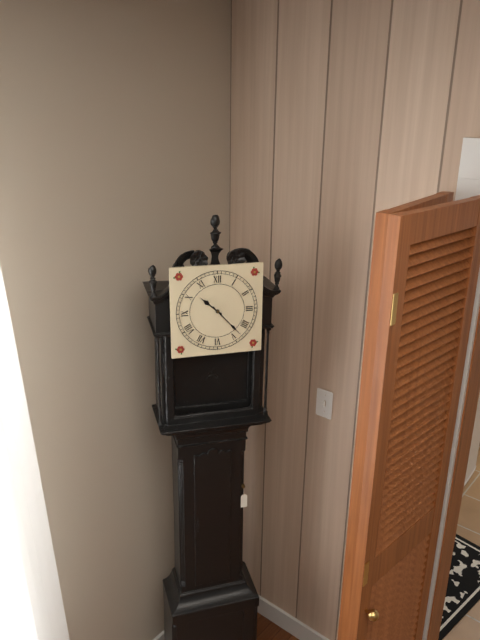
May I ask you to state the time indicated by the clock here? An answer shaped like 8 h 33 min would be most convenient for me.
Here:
10 h 23 min
